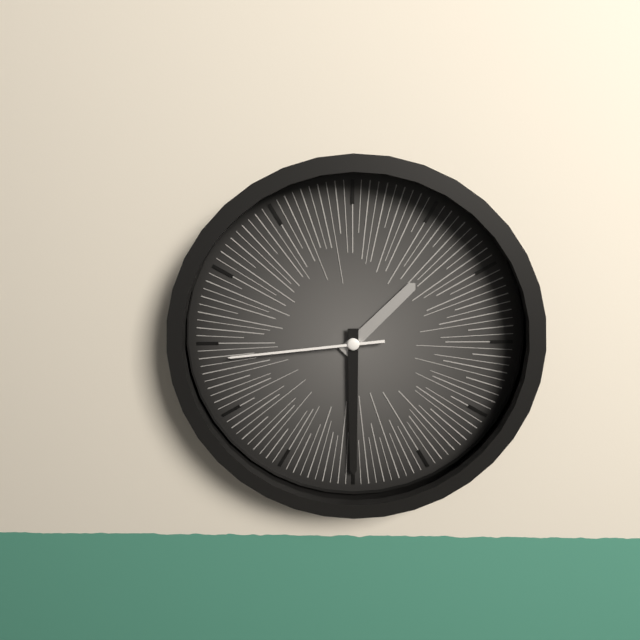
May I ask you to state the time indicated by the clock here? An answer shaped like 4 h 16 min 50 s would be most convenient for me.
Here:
1 h 30 min 44 s
